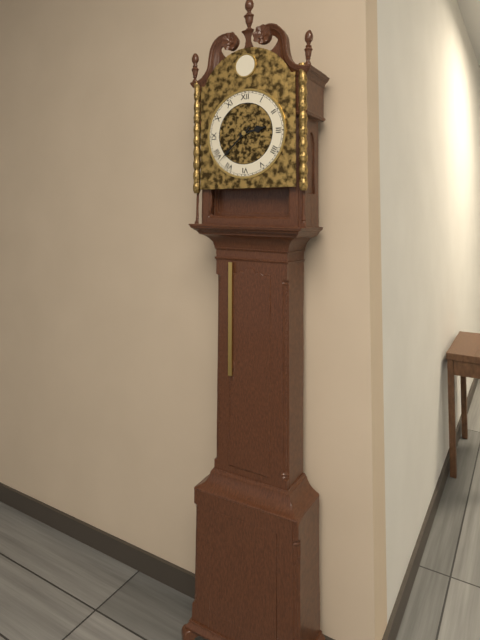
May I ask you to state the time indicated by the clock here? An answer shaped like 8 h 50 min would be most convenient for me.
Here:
2 h 38 min
